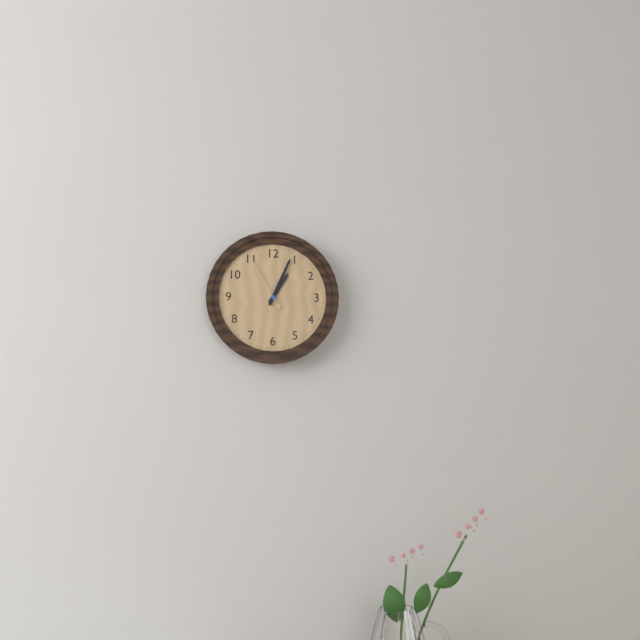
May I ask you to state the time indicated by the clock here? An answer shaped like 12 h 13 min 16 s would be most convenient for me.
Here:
1 h 04 min 55 s
